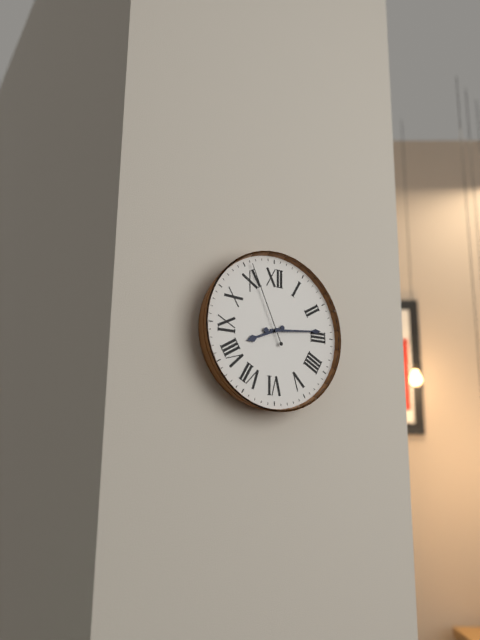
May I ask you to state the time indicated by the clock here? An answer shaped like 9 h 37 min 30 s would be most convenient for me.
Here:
8 h 14 min 56 s
